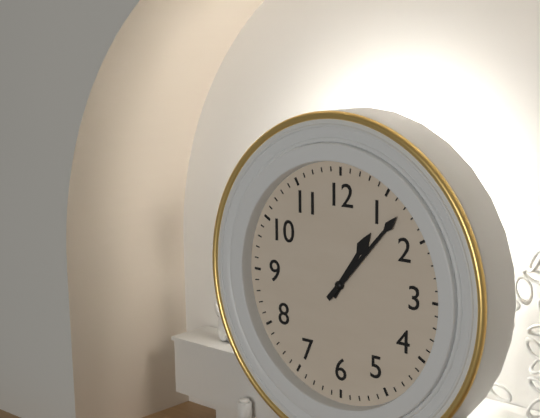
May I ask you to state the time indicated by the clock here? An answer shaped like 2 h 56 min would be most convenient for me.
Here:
1 h 07 min
